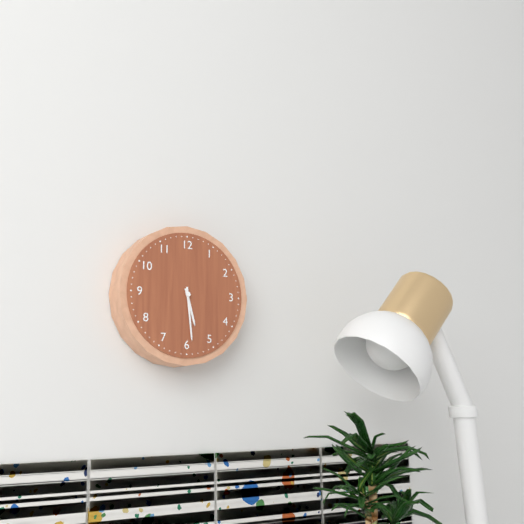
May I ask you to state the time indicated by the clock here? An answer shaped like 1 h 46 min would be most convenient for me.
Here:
5 h 29 min
